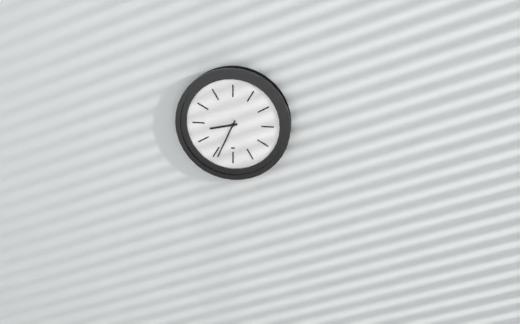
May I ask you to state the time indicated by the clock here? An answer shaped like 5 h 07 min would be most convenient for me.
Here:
8 h 34 min
